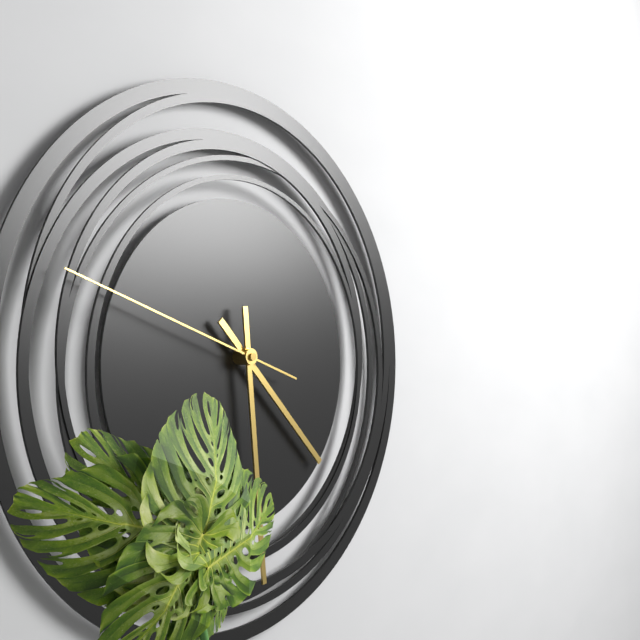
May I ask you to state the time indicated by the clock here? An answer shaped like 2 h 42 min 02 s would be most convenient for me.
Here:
4 h 29 min 48 s
